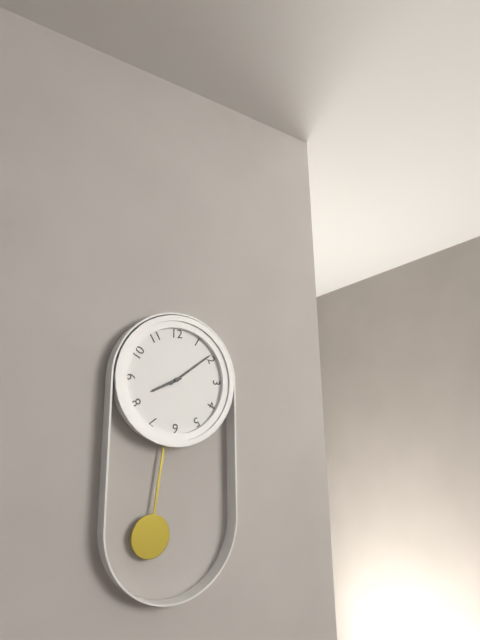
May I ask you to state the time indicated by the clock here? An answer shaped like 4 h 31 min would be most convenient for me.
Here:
8 h 09 min
